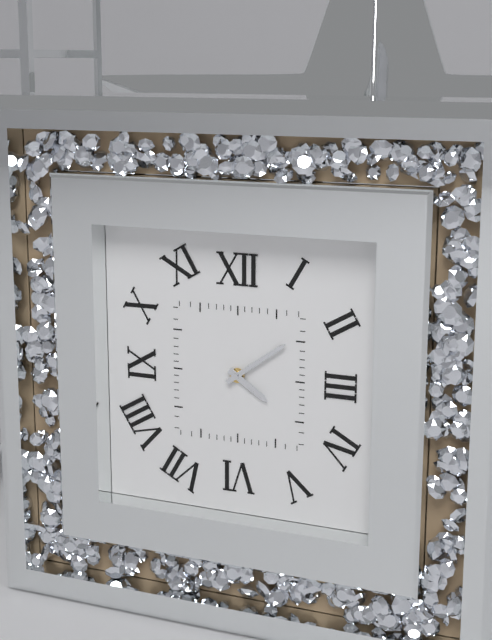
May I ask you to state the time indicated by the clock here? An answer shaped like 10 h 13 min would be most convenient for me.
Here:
4 h 09 min
